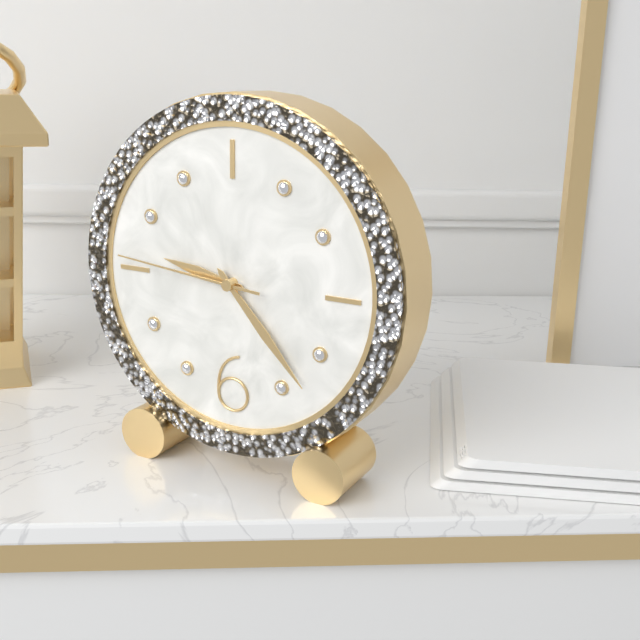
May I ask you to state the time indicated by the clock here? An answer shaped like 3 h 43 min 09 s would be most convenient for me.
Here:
9 h 23 min 46 s
